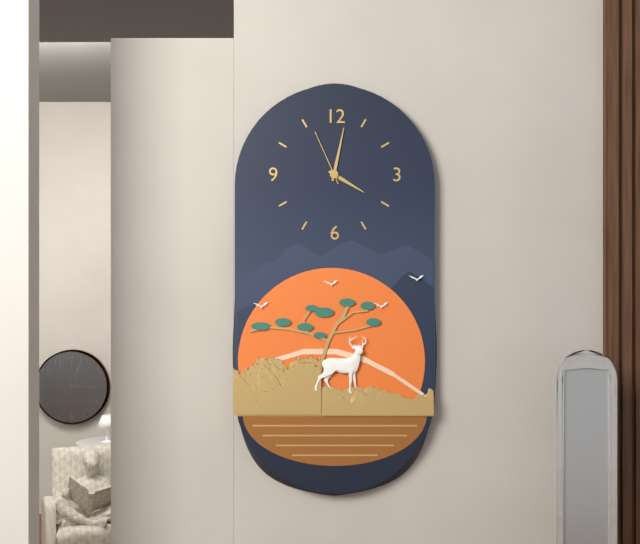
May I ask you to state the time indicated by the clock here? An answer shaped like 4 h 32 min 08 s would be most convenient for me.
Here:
4 h 02 min 56 s
